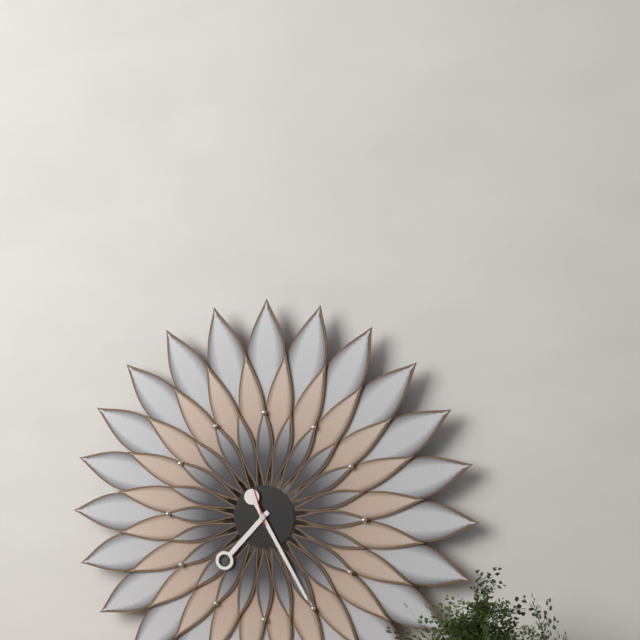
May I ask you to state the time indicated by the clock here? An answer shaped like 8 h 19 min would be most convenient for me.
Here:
7 h 25 min
